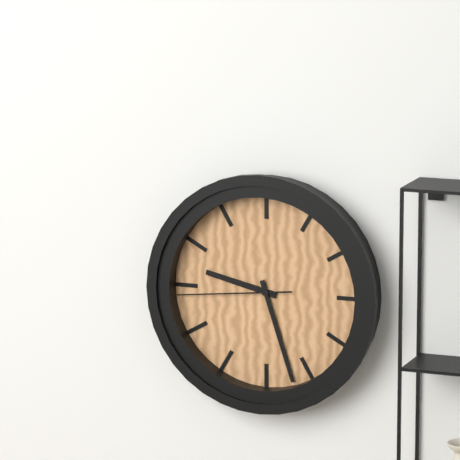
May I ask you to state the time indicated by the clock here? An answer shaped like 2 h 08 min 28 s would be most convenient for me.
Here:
9 h 27 min 44 s
